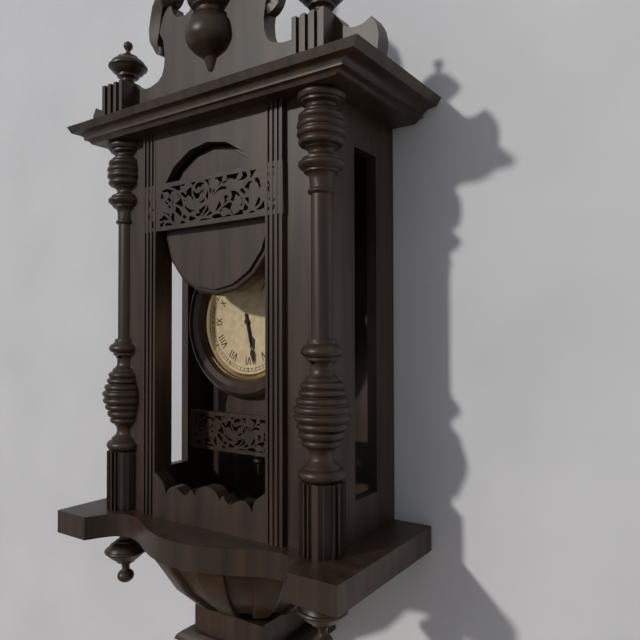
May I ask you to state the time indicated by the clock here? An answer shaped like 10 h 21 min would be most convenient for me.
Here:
5 h 28 min
